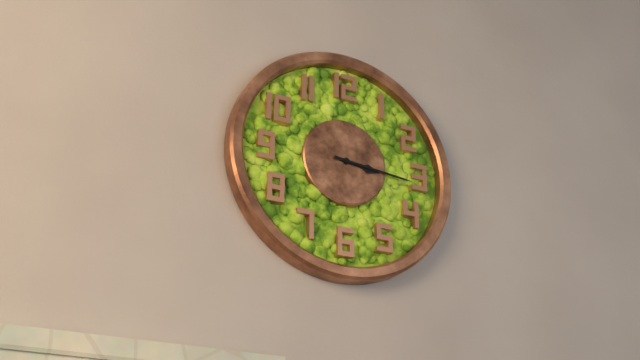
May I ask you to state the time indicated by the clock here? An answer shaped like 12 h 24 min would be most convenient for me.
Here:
3 h 16 min
